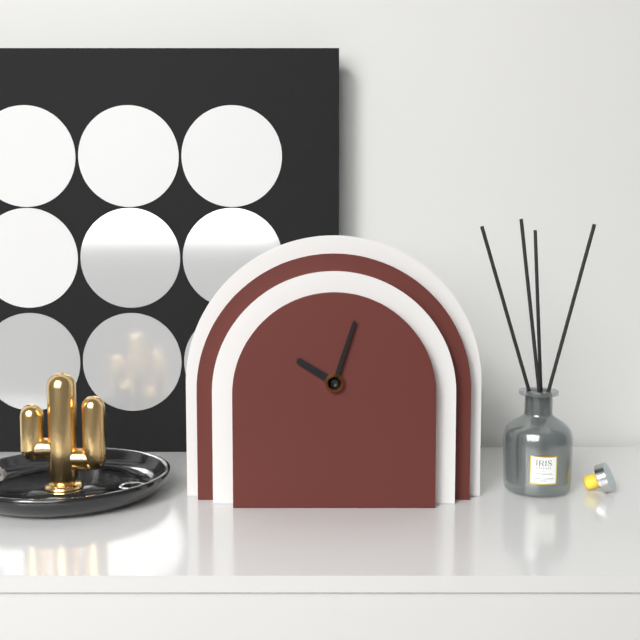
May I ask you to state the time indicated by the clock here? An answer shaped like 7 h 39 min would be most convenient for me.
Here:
10 h 03 min
